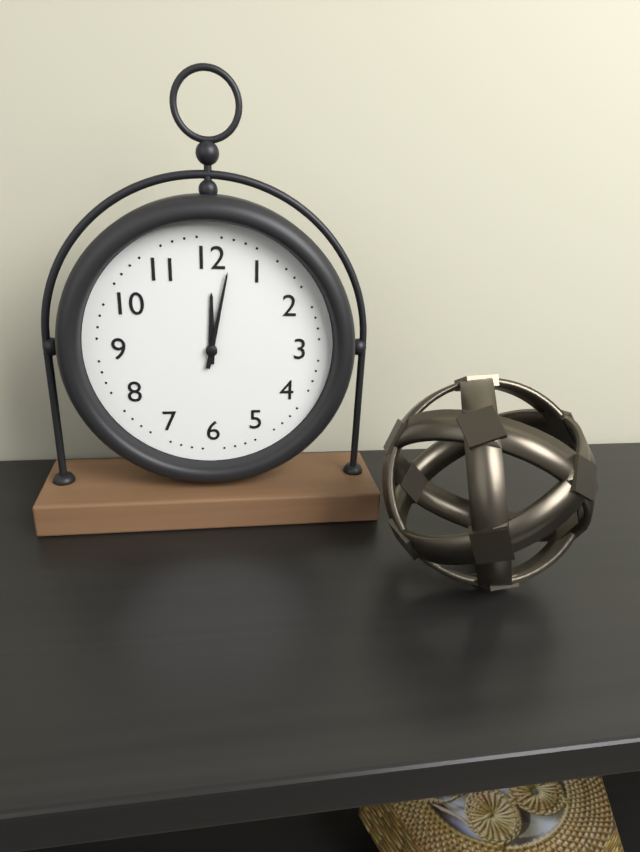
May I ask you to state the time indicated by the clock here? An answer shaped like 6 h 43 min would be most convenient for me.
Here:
12 h 02 min
